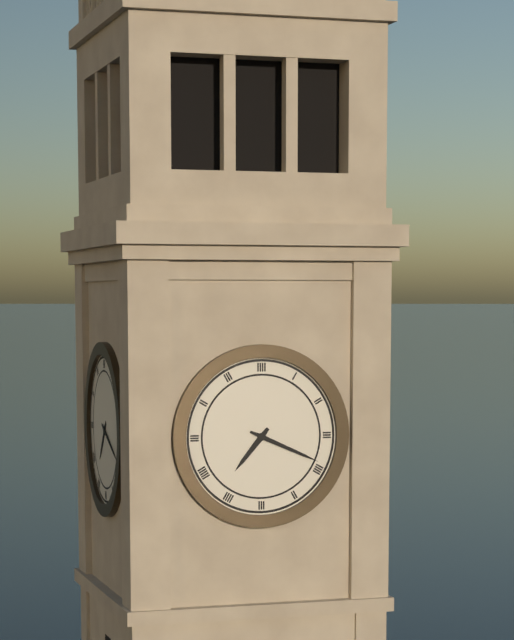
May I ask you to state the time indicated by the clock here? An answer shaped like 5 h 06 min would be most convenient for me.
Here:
7 h 19 min
